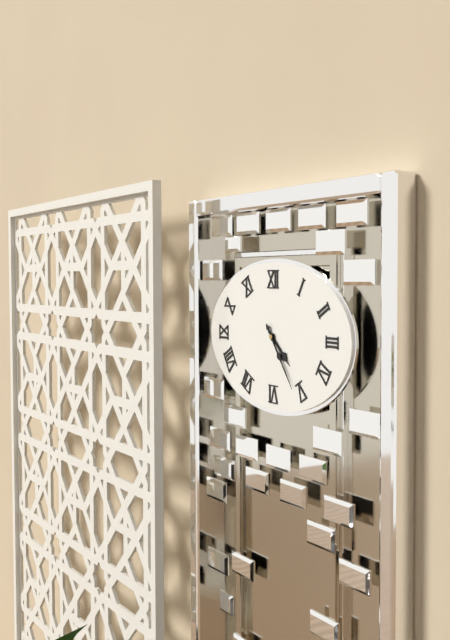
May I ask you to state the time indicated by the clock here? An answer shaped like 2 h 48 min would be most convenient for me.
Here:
4 h 24 min
